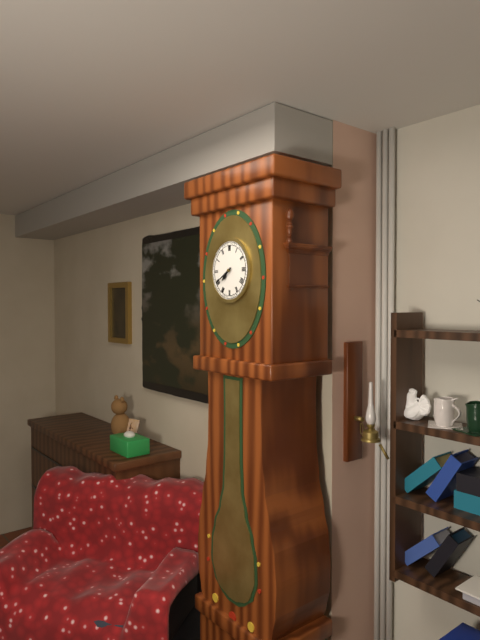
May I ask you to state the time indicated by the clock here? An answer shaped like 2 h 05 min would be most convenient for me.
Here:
7 h 40 min
